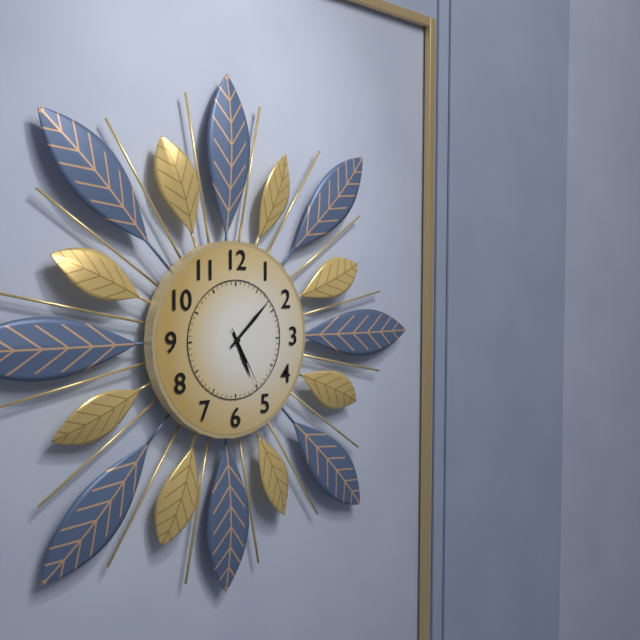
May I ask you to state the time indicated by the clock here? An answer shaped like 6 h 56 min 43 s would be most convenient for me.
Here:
5 h 08 min 25 s
